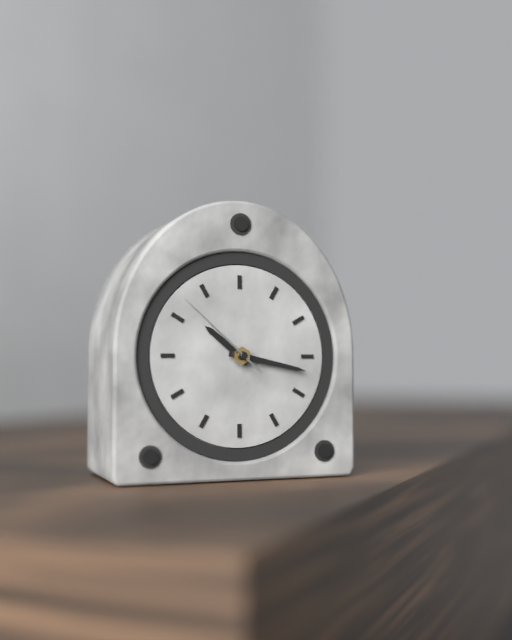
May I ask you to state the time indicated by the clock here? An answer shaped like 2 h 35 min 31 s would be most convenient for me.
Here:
10 h 17 min 52 s
